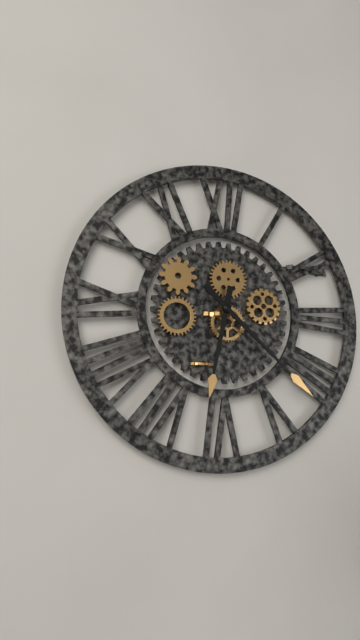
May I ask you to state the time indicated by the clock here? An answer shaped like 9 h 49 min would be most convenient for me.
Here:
6 h 22 min
